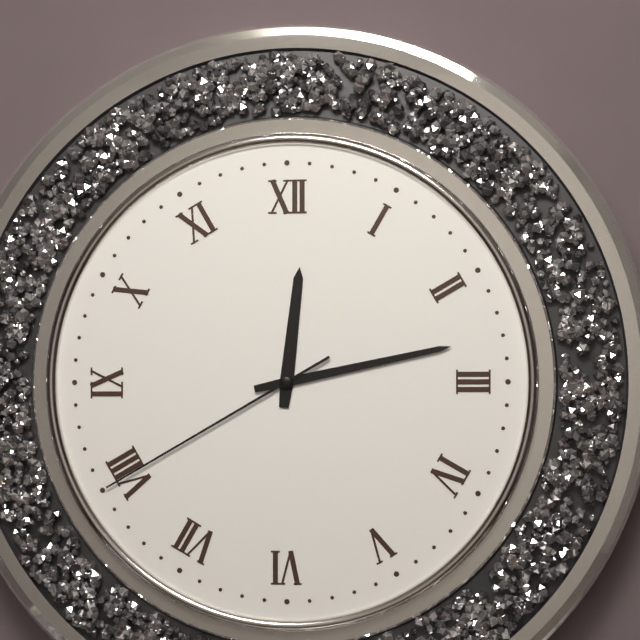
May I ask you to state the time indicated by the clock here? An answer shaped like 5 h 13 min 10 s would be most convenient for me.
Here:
12 h 13 min 40 s
